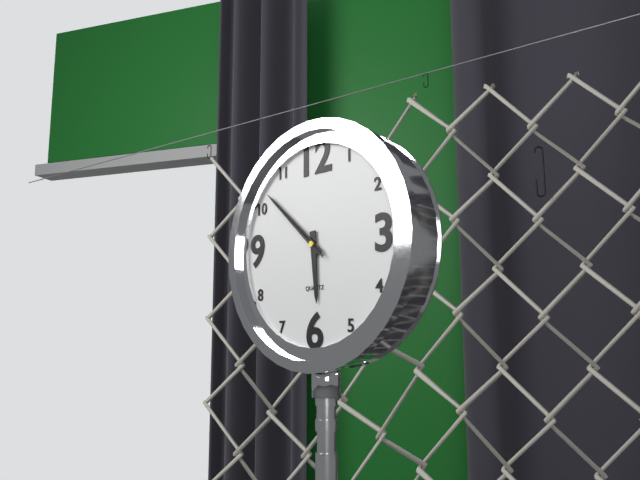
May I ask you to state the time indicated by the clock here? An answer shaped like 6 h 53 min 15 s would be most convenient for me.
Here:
5 h 52 min 52 s
